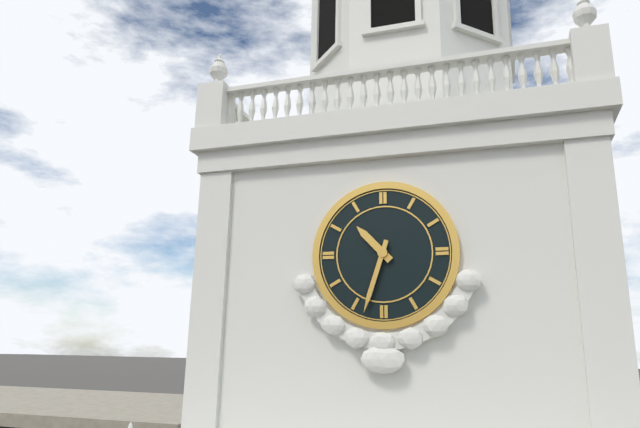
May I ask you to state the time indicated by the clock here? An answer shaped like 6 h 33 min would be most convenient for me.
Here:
10 h 33 min
